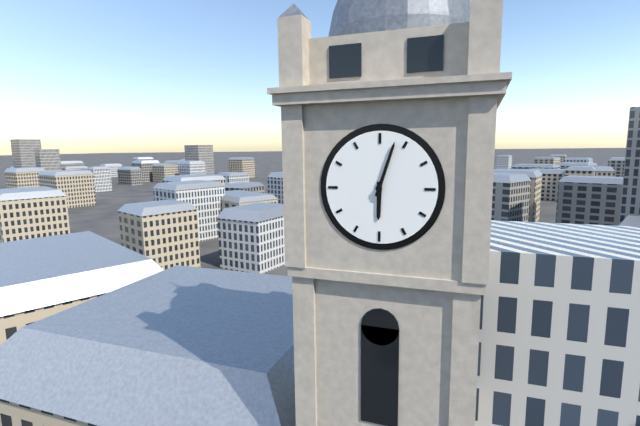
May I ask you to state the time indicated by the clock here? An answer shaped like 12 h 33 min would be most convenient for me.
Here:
6 h 03 min
